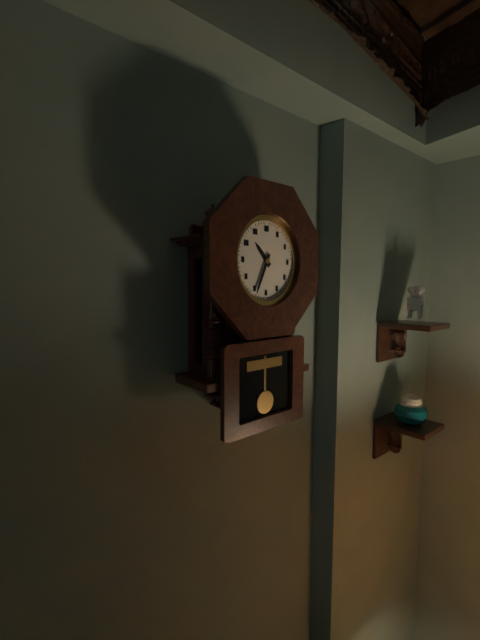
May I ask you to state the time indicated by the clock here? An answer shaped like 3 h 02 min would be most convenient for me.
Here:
10 h 34 min
